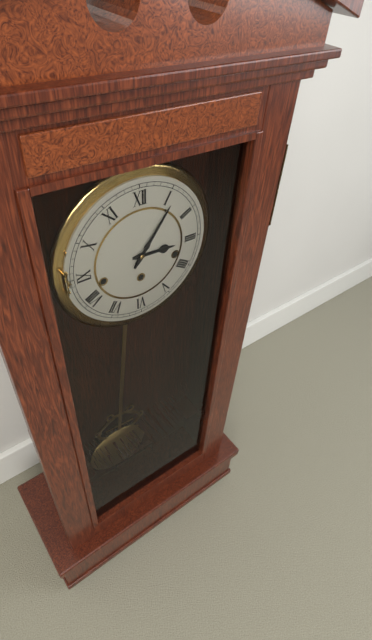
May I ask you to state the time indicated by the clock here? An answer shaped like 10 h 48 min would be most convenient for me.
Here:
3 h 06 min
